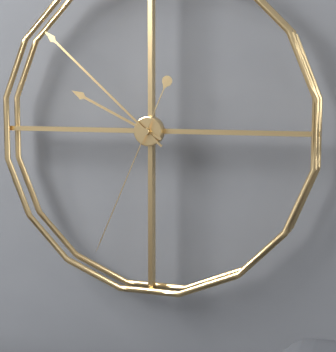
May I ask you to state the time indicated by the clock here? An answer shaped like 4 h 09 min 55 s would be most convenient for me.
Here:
9 h 52 min 34 s
